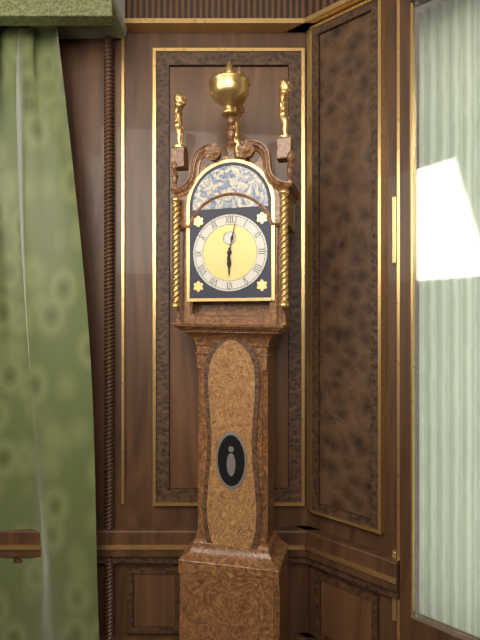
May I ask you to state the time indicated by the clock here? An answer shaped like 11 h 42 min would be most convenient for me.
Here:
6 h 02 min
